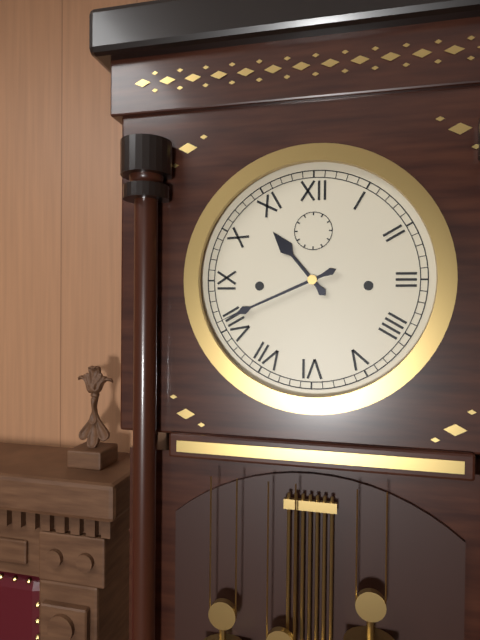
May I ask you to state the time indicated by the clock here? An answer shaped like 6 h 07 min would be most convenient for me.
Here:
10 h 41 min
